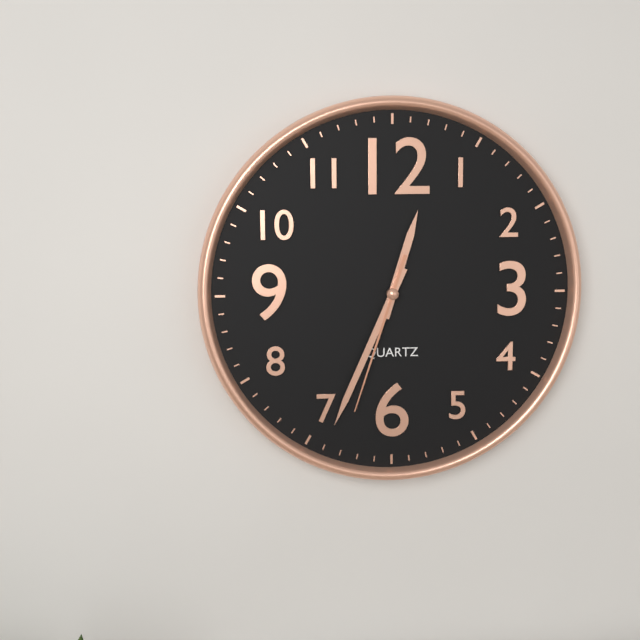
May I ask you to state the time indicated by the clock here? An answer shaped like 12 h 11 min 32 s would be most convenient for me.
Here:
12 h 34 min 33 s
